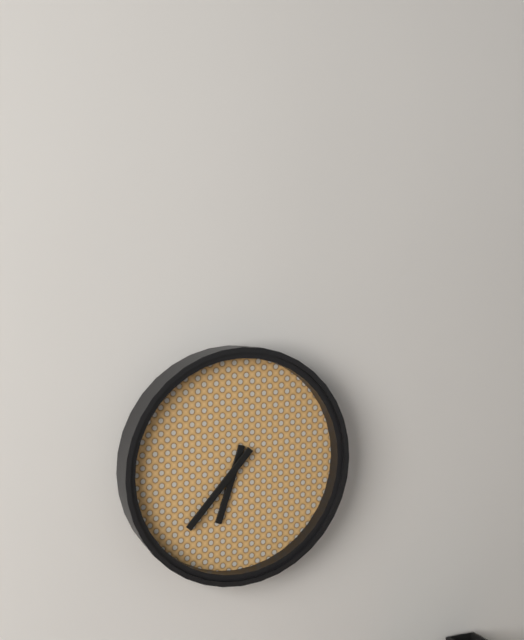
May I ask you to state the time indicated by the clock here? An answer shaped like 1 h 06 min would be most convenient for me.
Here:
6 h 37 min
